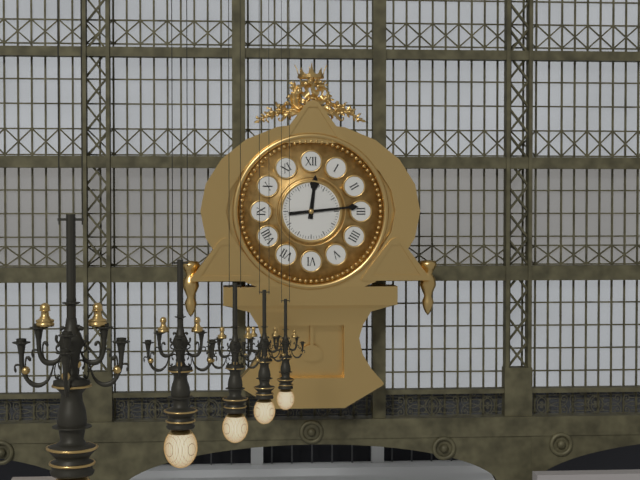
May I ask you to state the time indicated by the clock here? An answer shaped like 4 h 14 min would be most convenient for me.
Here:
12 h 14 min
